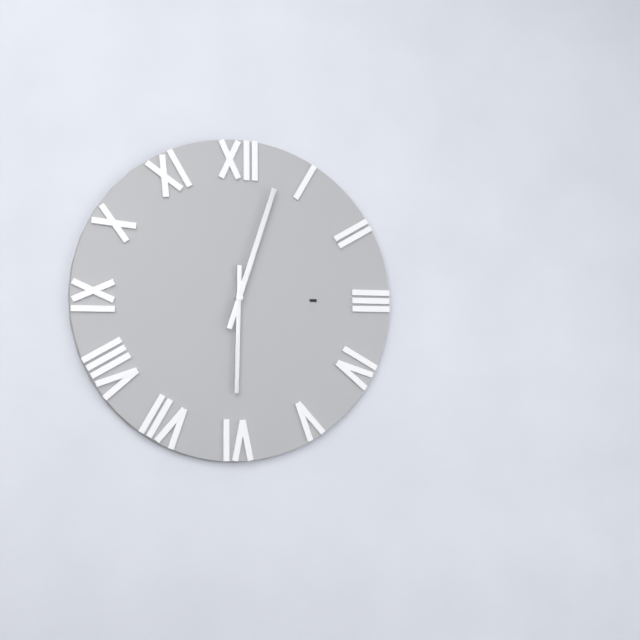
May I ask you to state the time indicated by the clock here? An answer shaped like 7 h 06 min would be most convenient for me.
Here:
6 h 03 min
